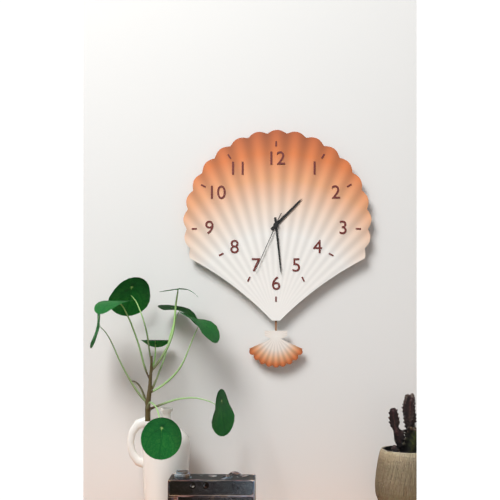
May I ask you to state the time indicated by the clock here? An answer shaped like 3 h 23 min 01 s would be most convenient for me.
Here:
1 h 29 min 34 s
